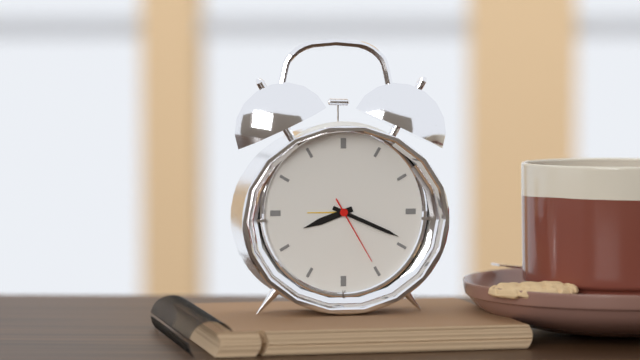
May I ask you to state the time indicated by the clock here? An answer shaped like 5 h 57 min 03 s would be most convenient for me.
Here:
8 h 19 min 25 s
